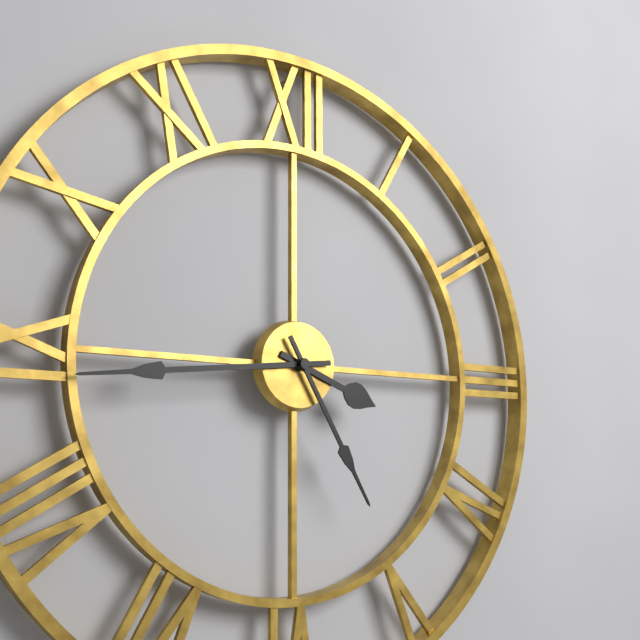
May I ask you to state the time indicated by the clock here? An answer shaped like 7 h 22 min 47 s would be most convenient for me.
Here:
3 h 44 min 25 s
